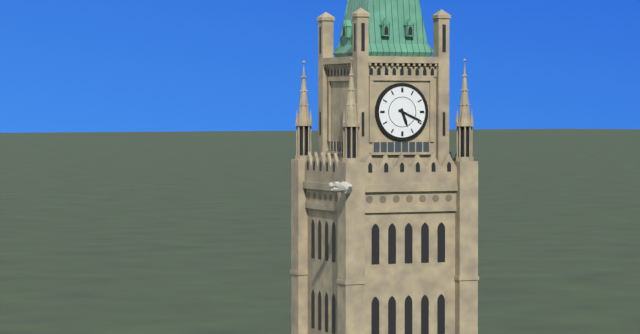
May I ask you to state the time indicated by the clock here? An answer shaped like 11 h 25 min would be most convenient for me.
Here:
5 h 19 min
